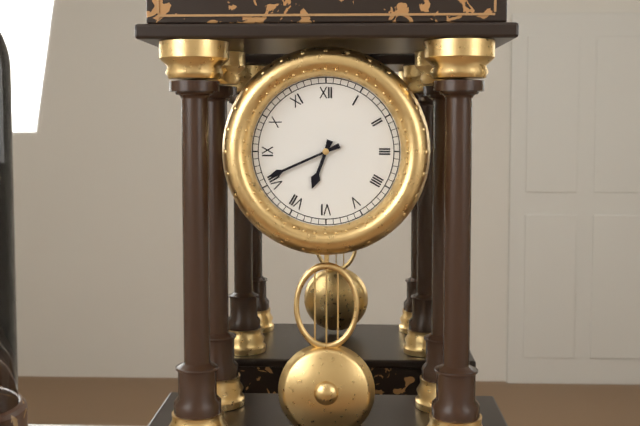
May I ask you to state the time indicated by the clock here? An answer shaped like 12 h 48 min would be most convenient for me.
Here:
6 h 41 min
